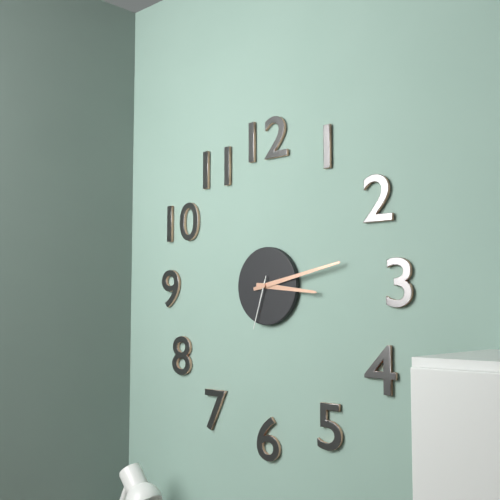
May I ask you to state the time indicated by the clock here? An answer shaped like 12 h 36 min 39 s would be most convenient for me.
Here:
3 h 13 min 33 s
